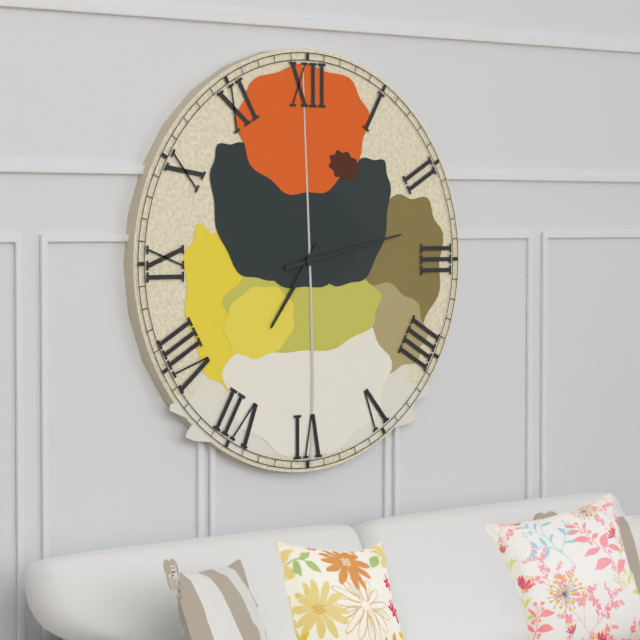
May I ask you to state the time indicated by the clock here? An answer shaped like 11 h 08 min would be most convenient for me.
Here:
7 h 13 min
